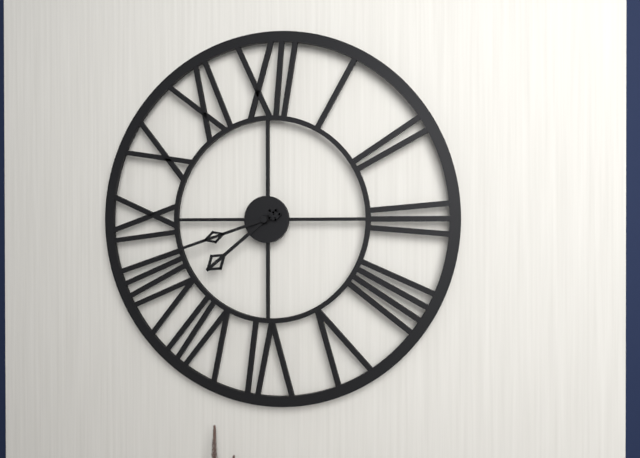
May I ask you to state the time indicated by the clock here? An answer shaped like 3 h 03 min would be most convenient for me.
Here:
7 h 42 min
